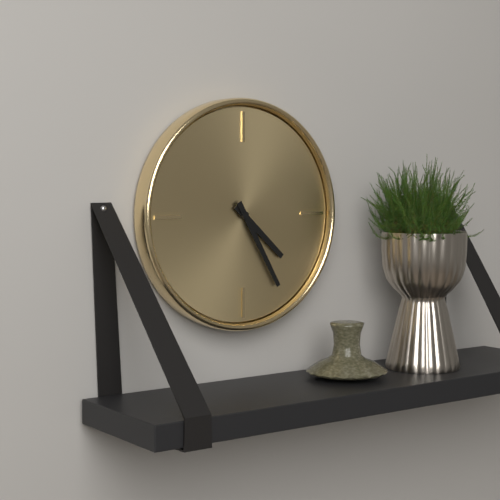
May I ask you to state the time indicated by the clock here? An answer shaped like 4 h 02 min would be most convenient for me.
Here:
4 h 25 min
